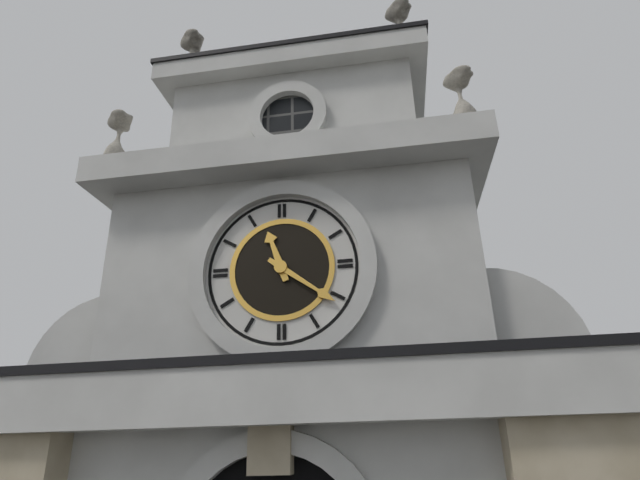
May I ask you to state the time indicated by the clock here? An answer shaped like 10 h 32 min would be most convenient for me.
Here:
11 h 21 min
